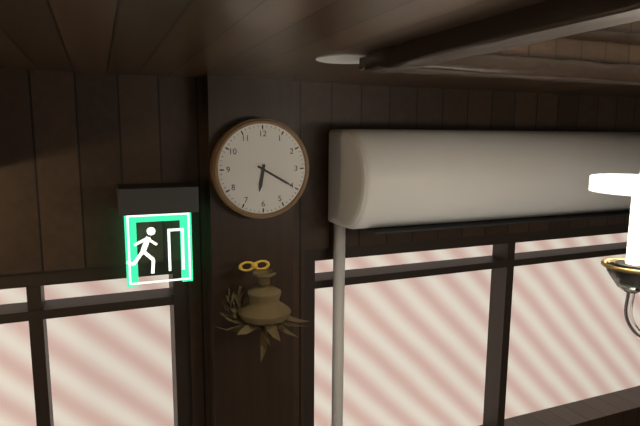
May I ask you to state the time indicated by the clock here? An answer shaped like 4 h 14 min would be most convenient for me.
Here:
6 h 20 min
